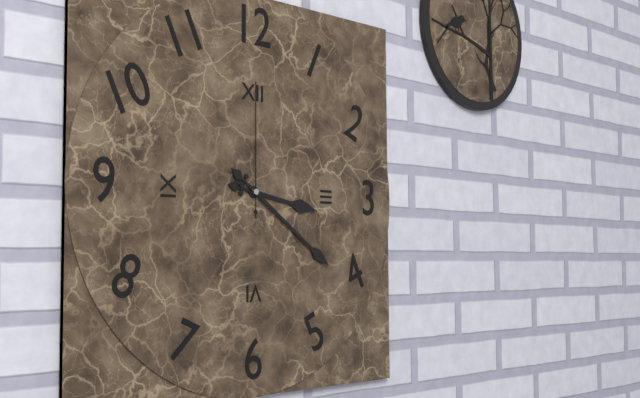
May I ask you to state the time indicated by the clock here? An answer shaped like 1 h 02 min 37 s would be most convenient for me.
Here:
3 h 21 min 00 s
